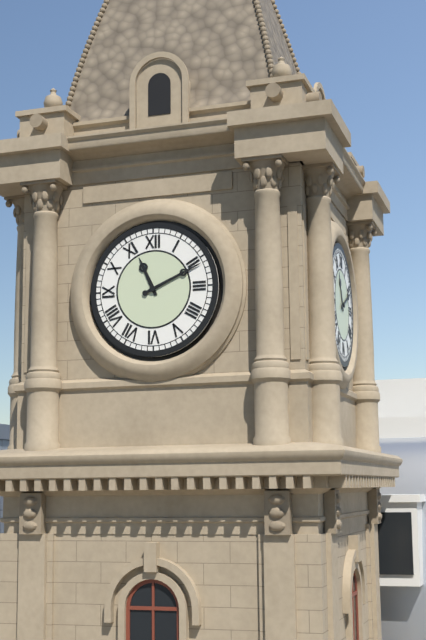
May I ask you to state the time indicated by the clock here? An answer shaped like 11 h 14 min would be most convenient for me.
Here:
11 h 11 min
